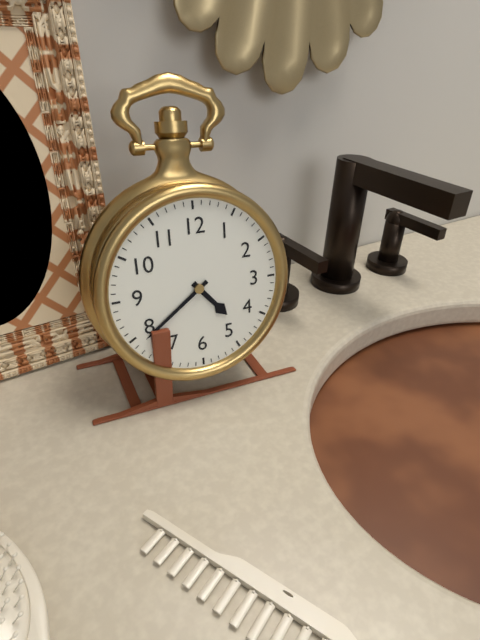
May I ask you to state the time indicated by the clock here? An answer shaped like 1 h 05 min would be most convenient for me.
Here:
4 h 39 min
